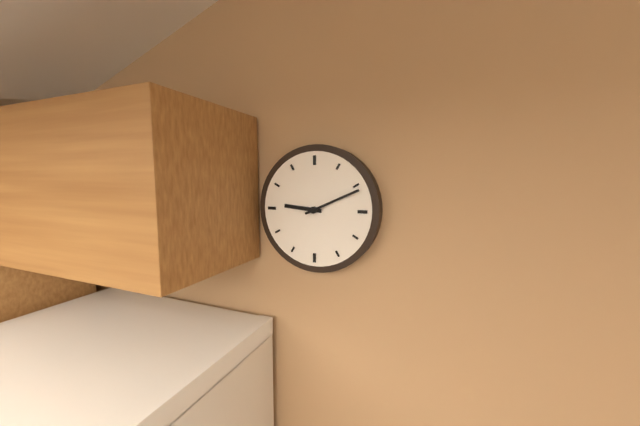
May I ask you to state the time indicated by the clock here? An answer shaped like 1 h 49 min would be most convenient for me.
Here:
9 h 11 min
